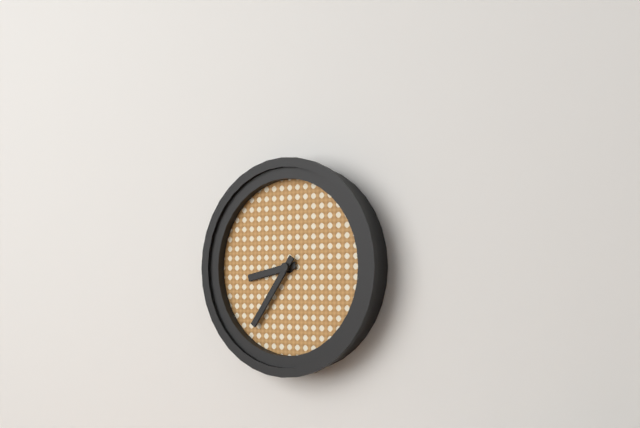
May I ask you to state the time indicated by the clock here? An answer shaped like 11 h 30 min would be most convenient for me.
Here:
8 h 36 min
